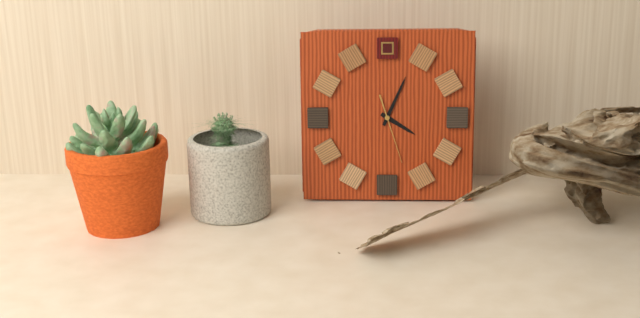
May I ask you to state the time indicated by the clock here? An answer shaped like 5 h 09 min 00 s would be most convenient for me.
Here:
4 h 04 min 27 s
